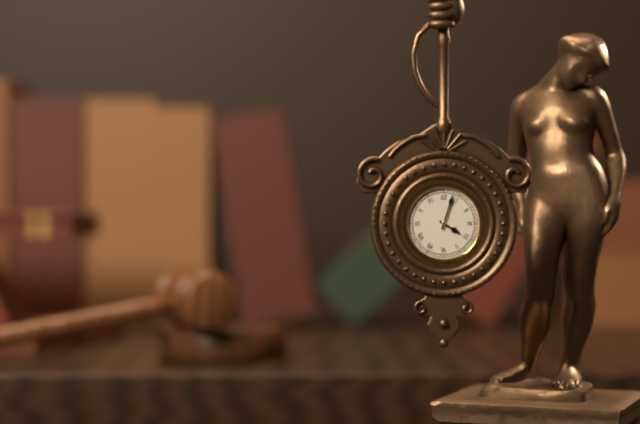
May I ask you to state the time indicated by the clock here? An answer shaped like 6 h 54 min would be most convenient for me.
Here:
4 h 03 min
